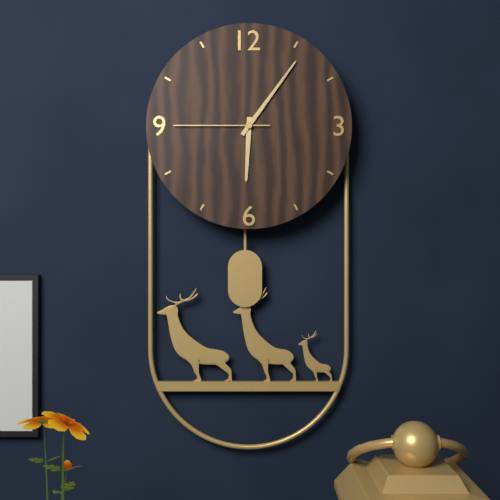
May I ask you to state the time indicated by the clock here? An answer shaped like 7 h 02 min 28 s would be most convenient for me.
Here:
6 h 06 min 45 s
